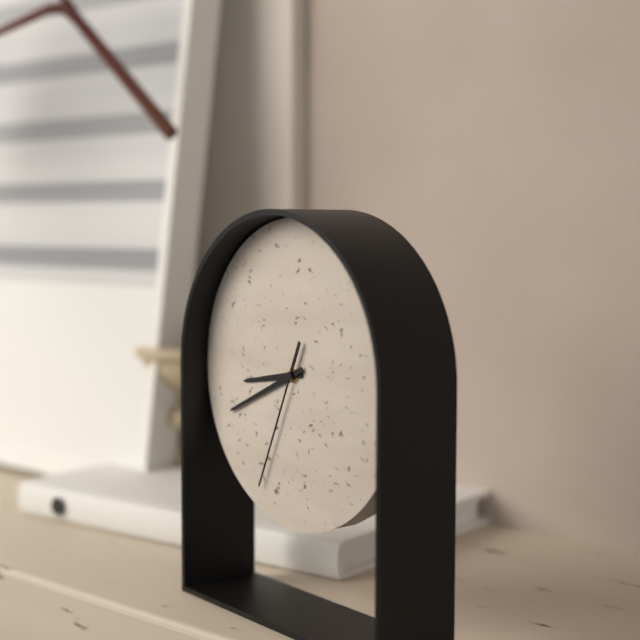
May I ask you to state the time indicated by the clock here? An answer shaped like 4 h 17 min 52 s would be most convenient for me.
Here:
8 h 41 min 34 s
